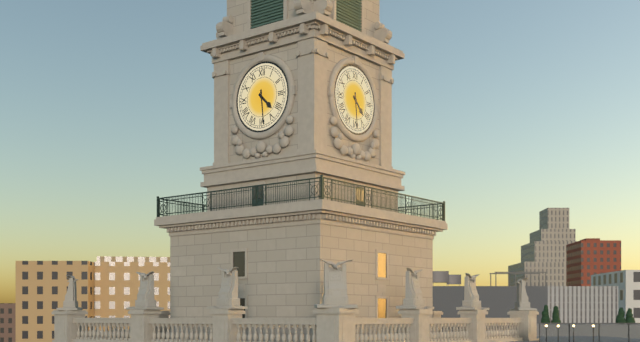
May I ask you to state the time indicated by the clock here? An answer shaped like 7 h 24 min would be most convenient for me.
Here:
4 h 29 min
